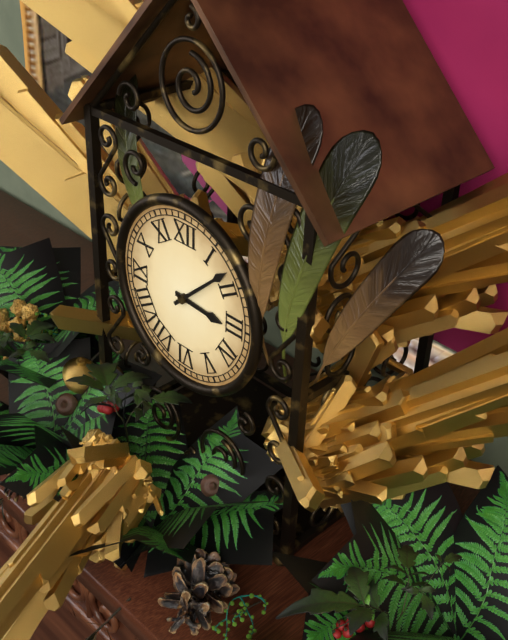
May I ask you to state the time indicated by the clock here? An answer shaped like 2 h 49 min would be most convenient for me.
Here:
3 h 08 min
